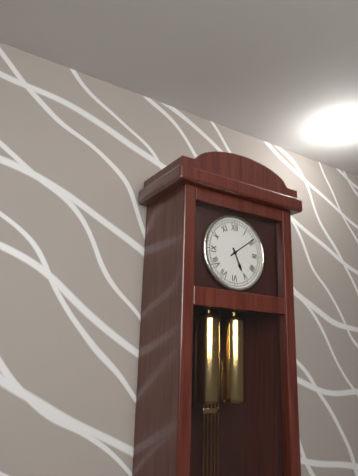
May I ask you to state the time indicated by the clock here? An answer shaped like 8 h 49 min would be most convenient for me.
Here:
5 h 09 min
